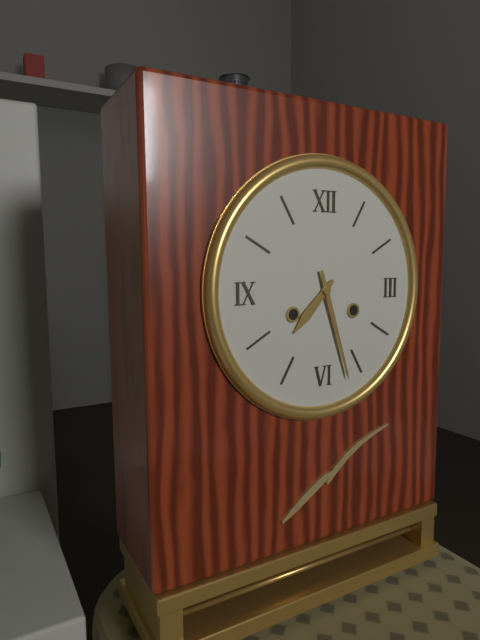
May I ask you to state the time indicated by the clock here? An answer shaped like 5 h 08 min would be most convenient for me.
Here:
7 h 27 min
